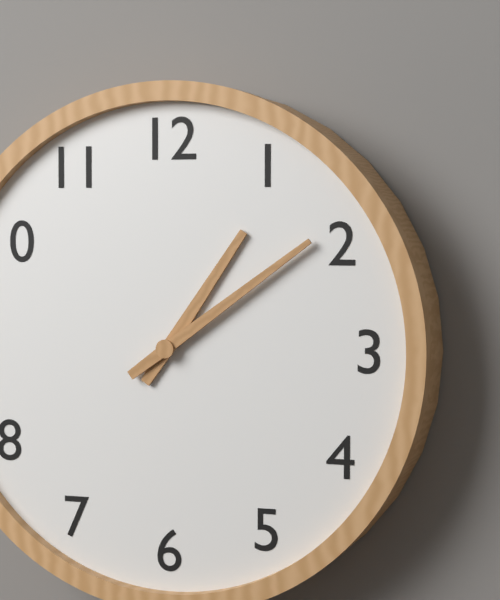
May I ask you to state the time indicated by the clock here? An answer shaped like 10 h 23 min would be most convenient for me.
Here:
1 h 09 min
